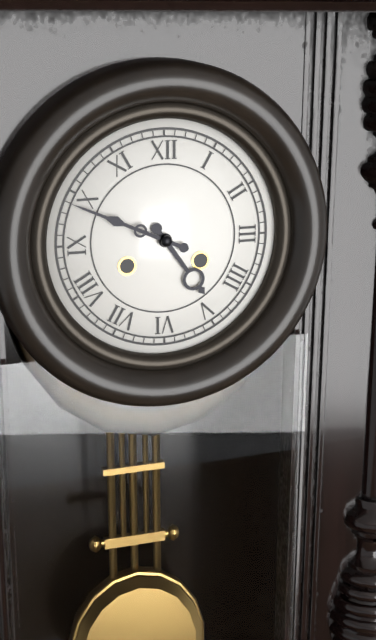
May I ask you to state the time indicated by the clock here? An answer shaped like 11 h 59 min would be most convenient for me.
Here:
4 h 49 min
